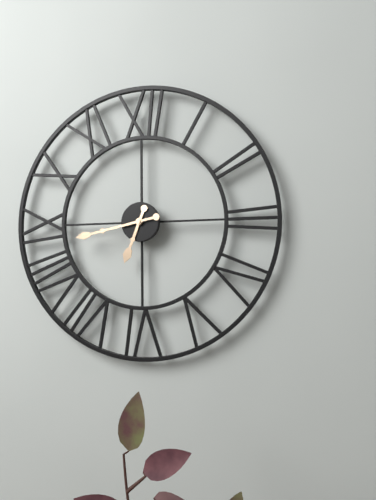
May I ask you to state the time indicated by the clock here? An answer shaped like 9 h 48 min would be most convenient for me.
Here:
6 h 43 min
